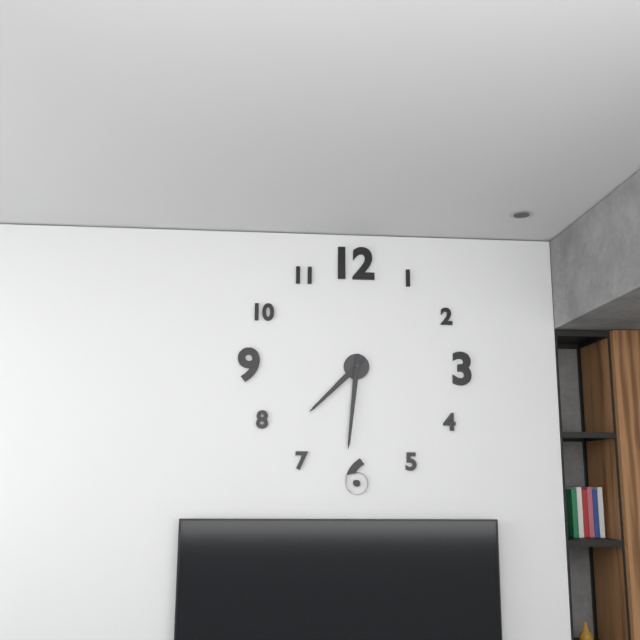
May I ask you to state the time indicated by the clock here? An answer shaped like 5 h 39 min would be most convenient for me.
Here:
7 h 31 min
